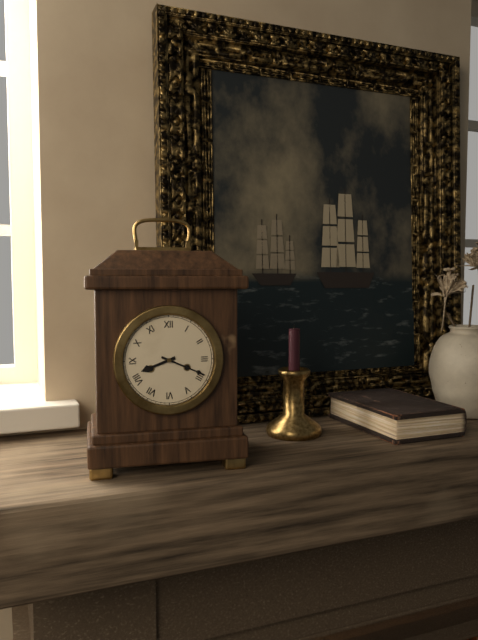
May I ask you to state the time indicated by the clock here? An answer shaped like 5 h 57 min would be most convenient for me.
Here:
8 h 19 min
